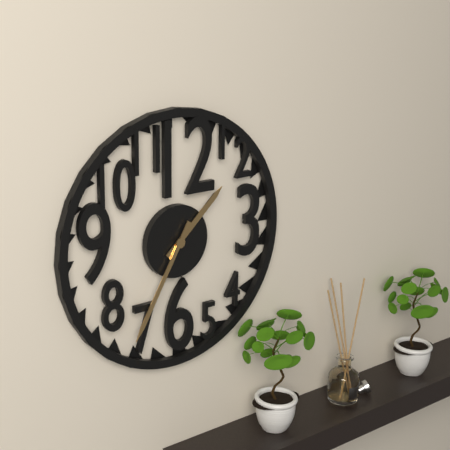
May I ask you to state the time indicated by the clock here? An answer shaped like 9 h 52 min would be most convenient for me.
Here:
1 h 35 min
